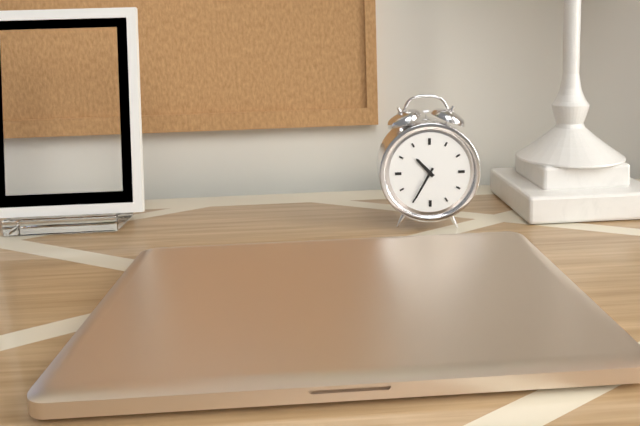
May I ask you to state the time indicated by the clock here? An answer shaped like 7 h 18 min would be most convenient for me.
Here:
10 h 35 min
